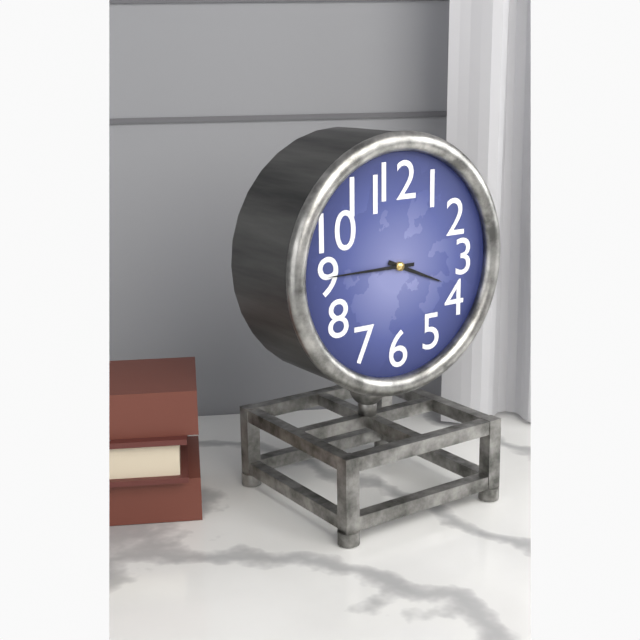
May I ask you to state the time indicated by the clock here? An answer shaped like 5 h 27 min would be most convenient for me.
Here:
3 h 45 min
